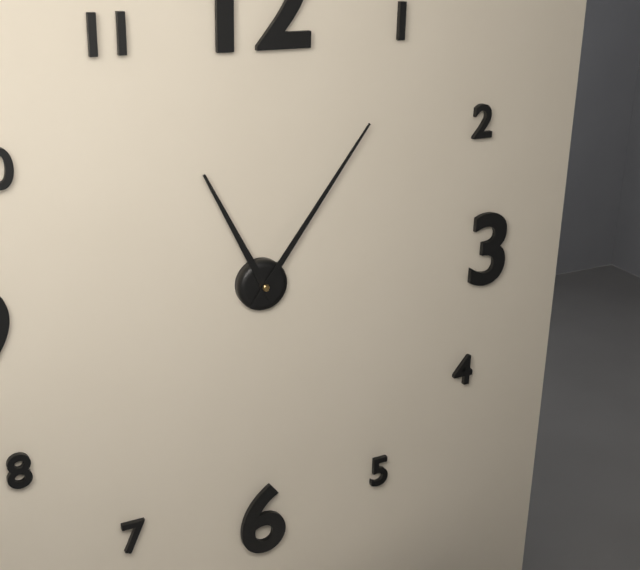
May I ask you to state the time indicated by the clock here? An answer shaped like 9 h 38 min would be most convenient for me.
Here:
11 h 06 min
